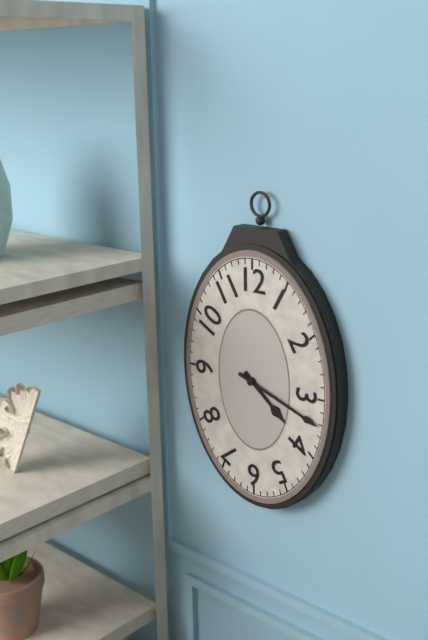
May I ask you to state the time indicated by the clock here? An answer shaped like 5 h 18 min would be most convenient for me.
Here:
4 h 18 min
